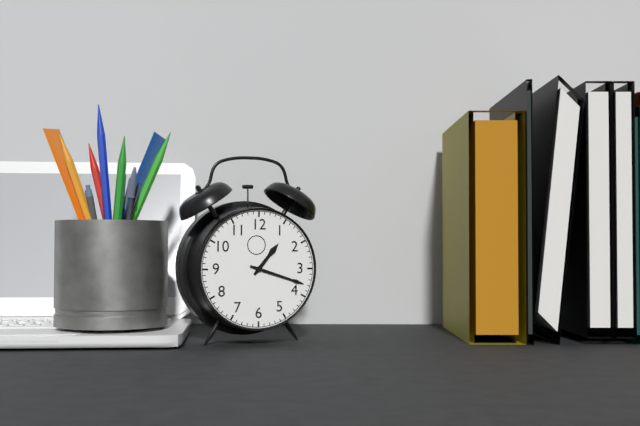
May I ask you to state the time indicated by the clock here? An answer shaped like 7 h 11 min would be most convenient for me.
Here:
1 h 18 min
